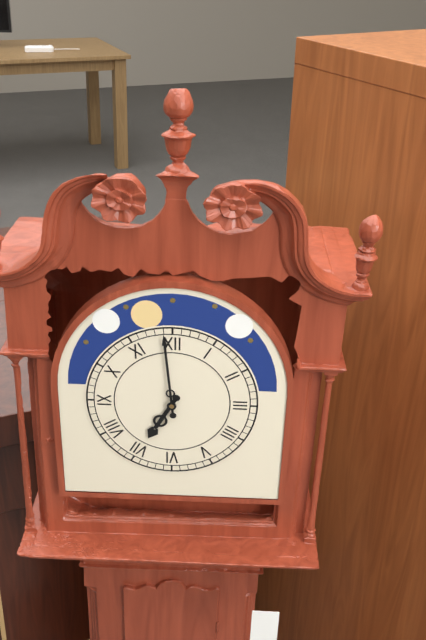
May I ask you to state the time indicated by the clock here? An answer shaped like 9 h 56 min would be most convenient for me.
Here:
6 h 59 min
